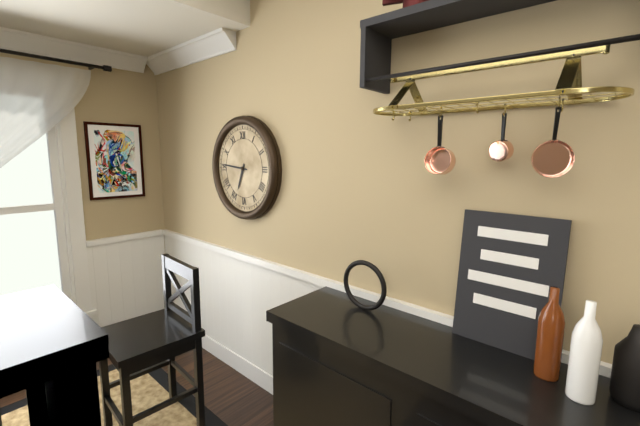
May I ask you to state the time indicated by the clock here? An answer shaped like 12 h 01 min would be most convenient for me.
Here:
6 h 46 min
